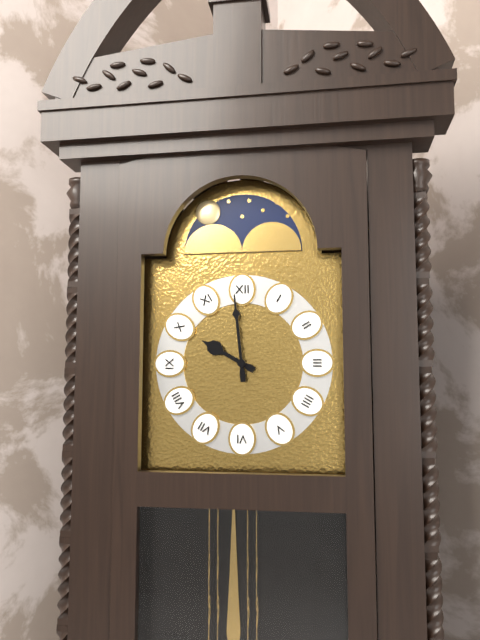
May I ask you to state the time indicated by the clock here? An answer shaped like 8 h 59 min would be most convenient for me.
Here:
9 h 59 min
